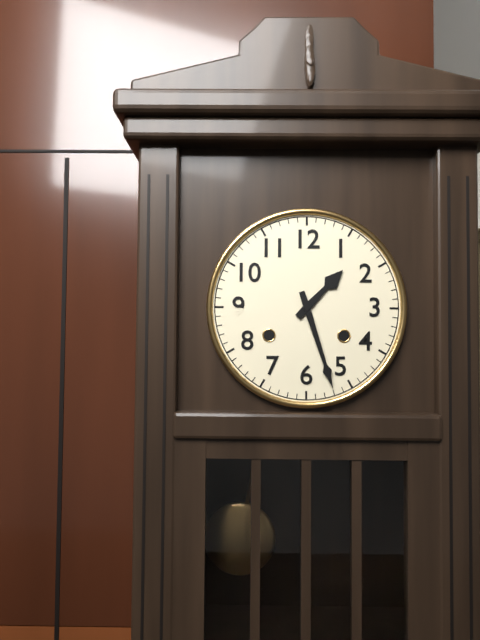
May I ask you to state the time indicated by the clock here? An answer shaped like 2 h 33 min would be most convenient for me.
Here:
1 h 27 min
